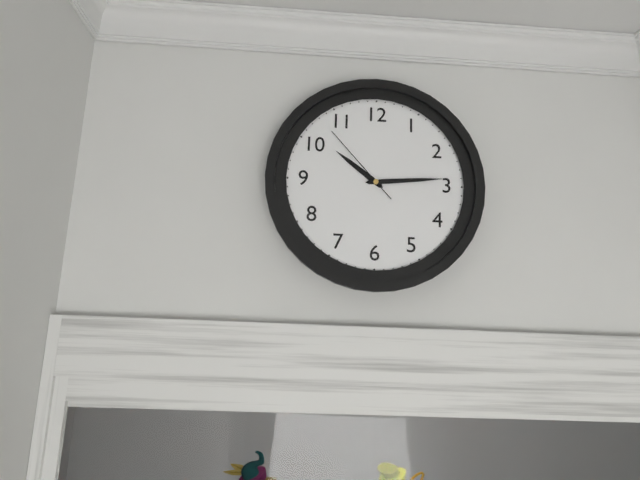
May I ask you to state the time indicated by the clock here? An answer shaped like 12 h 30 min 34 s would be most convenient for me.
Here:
10 h 14 min 53 s
